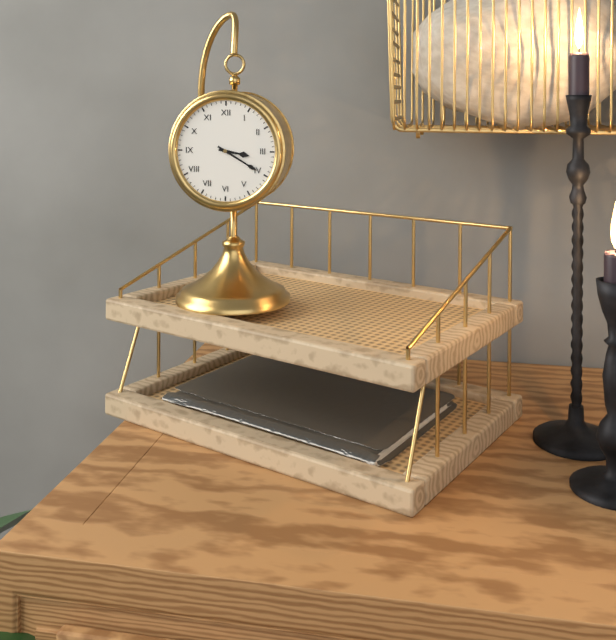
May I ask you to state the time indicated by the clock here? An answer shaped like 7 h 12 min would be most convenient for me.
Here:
3 h 20 min
